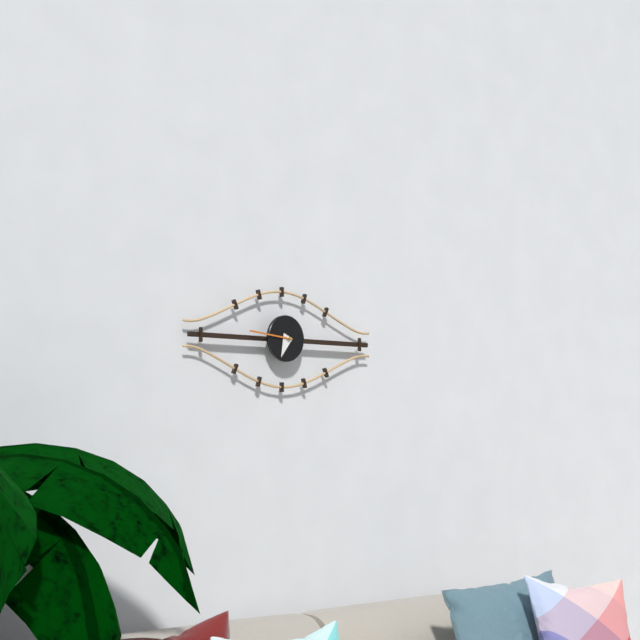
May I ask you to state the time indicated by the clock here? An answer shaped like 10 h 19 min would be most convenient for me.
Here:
6 h 46 min
